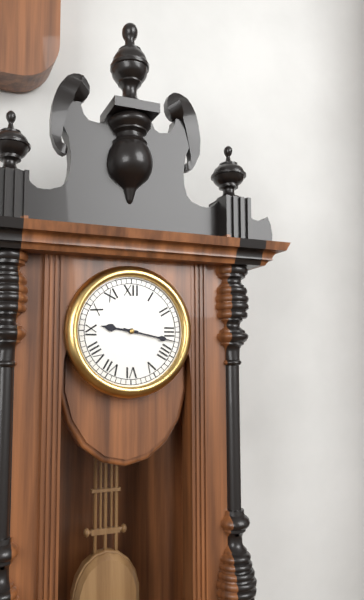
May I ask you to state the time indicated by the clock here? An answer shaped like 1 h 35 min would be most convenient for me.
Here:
9 h 17 min
